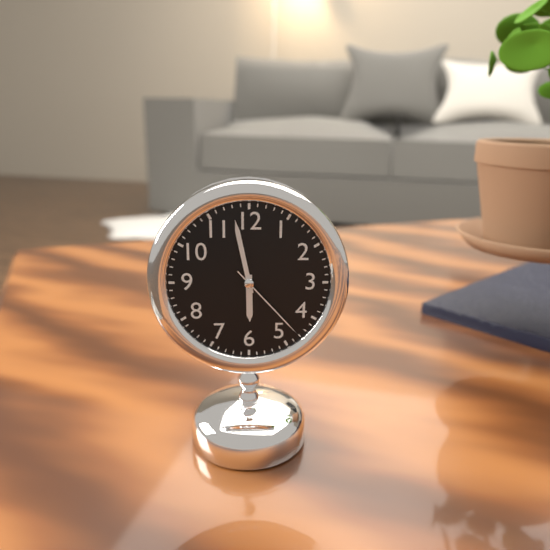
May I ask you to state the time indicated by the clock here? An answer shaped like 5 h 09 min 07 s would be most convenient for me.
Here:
5 h 58 min 23 s
